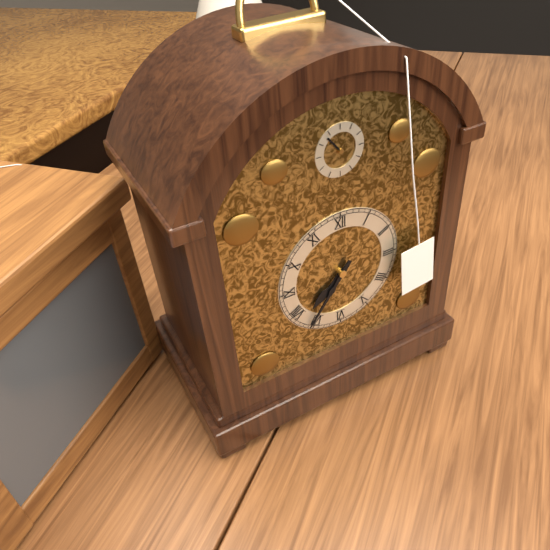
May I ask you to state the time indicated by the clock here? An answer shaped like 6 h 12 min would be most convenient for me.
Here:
7 h 36 min
